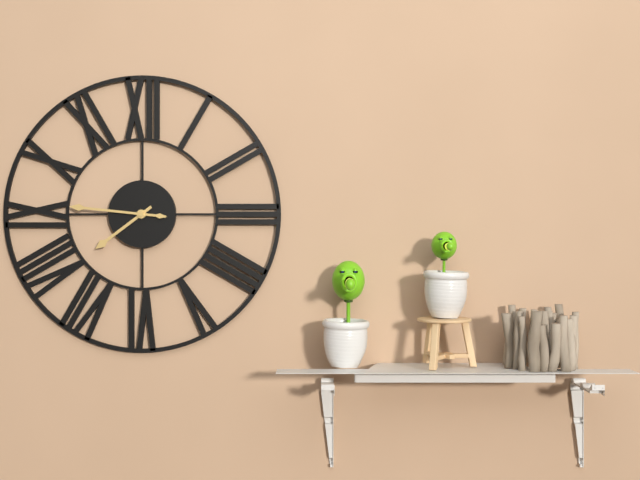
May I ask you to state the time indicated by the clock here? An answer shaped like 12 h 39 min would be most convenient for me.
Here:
7 h 46 min
